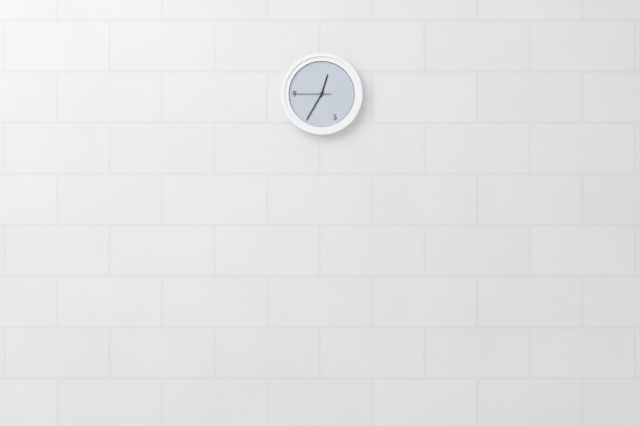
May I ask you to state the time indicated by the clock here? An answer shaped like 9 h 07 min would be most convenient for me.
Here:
12 h 35 min
